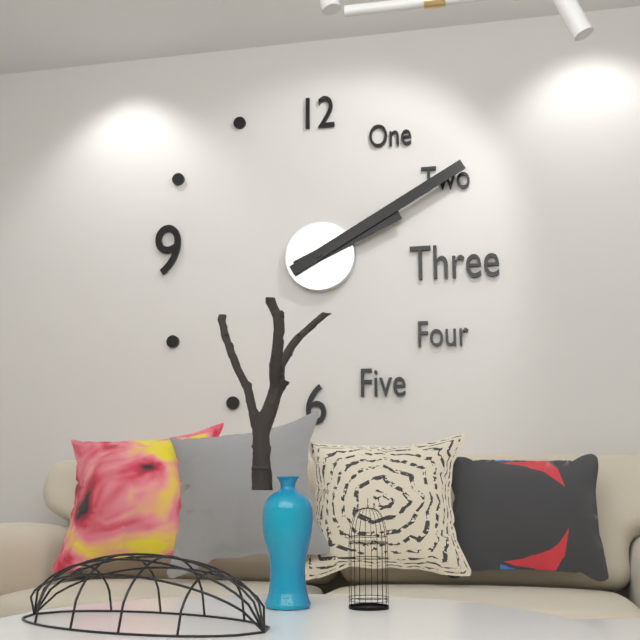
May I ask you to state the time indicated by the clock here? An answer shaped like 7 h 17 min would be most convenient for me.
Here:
2 h 10 min
